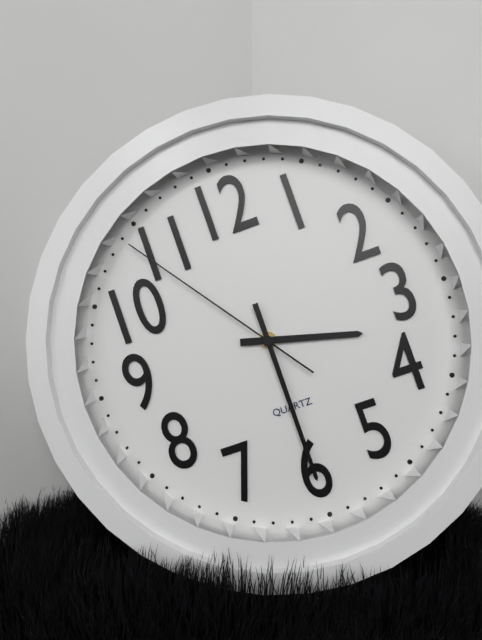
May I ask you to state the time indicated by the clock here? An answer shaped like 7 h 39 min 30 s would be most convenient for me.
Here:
3 h 30 min 54 s
